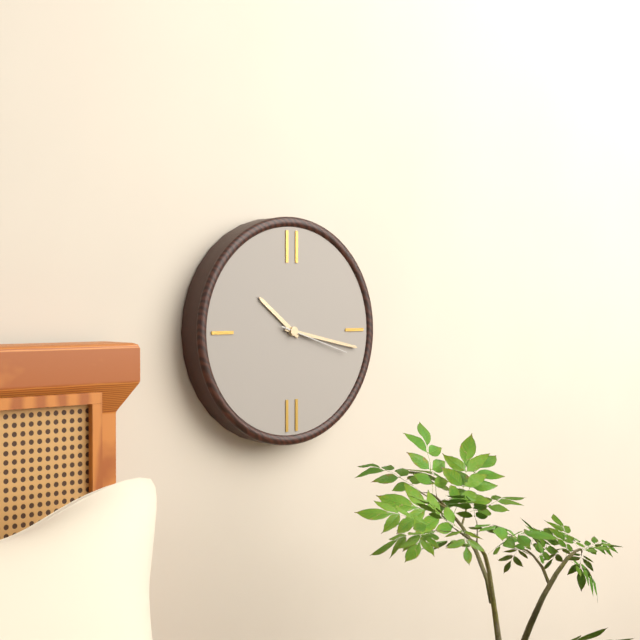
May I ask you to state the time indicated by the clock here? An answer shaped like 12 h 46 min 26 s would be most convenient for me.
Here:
10 h 17 min 18 s
